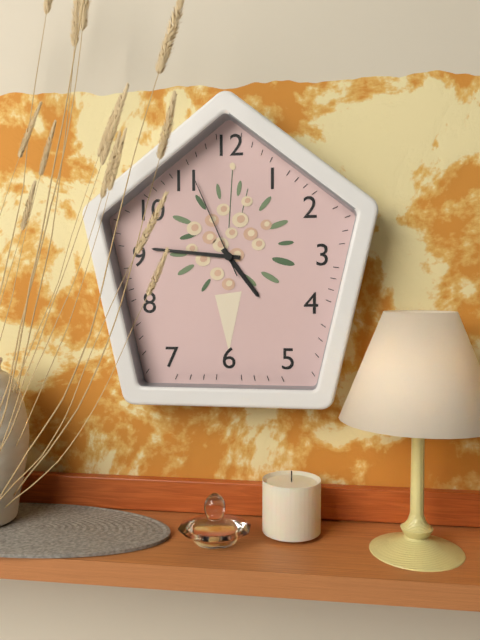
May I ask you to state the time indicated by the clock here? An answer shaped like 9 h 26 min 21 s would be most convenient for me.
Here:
4 h 46 min 56 s
